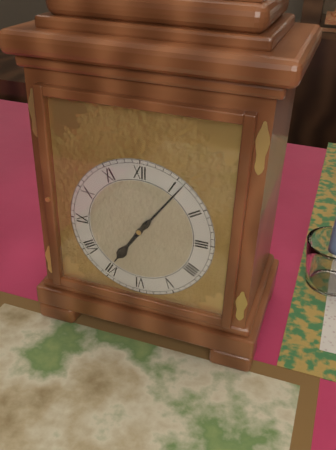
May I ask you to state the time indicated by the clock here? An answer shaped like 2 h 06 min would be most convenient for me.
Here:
7 h 06 min
